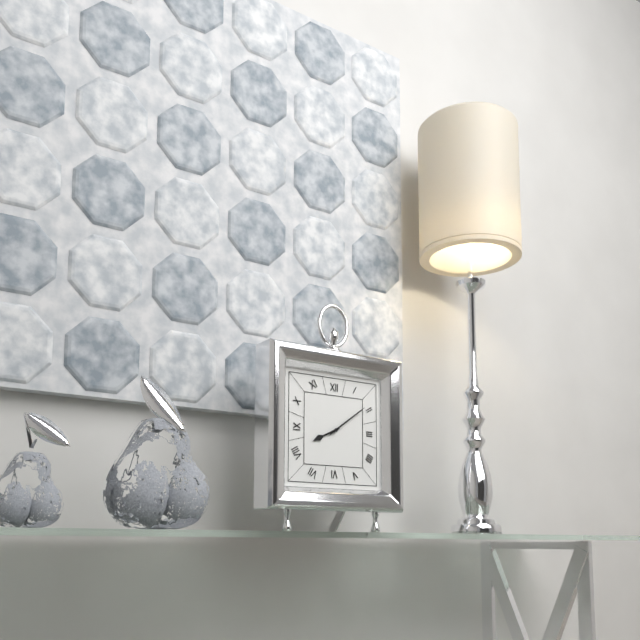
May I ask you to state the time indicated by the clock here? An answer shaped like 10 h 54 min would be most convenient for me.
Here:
8 h 09 min
